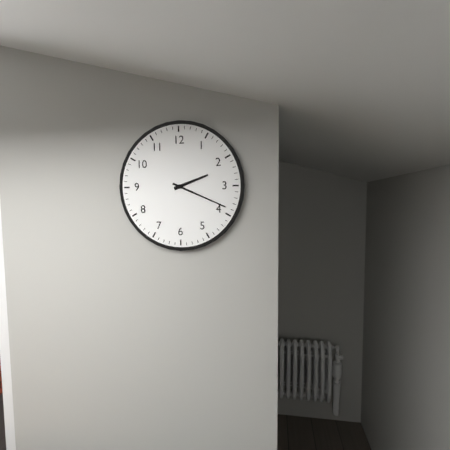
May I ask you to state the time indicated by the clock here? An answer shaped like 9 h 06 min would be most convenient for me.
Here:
2 h 19 min
